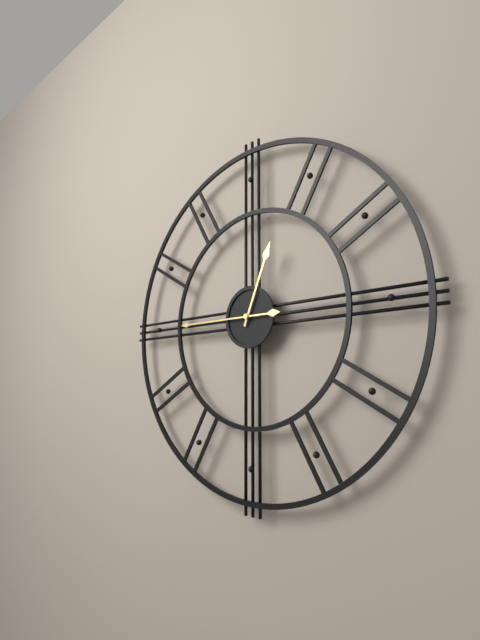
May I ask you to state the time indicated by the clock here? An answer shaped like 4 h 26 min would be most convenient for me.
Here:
12 h 45 min
